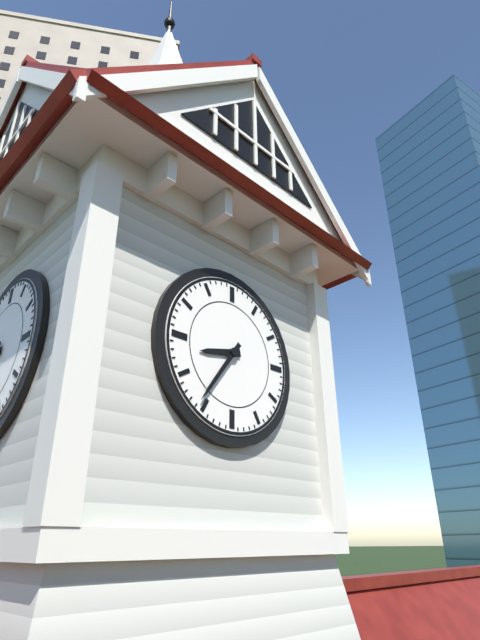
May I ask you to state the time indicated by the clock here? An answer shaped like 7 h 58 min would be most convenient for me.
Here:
8 h 36 min
